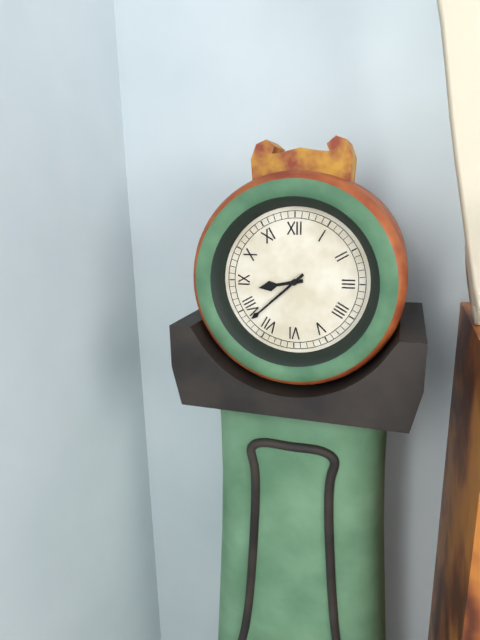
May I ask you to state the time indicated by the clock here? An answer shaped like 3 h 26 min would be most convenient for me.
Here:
8 h 38 min
